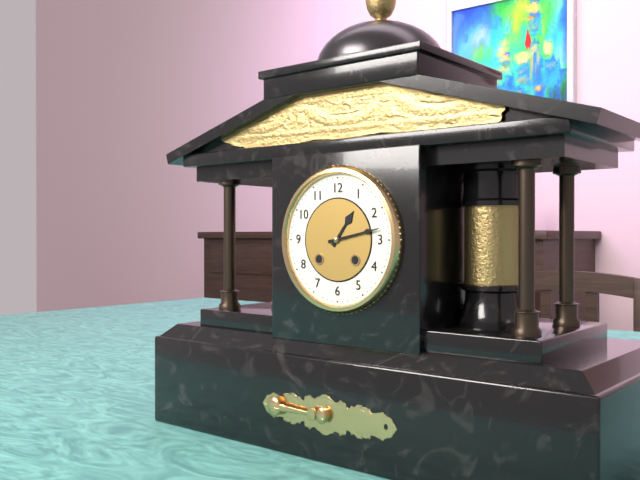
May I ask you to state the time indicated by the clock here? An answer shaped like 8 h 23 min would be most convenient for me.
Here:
1 h 13 min
